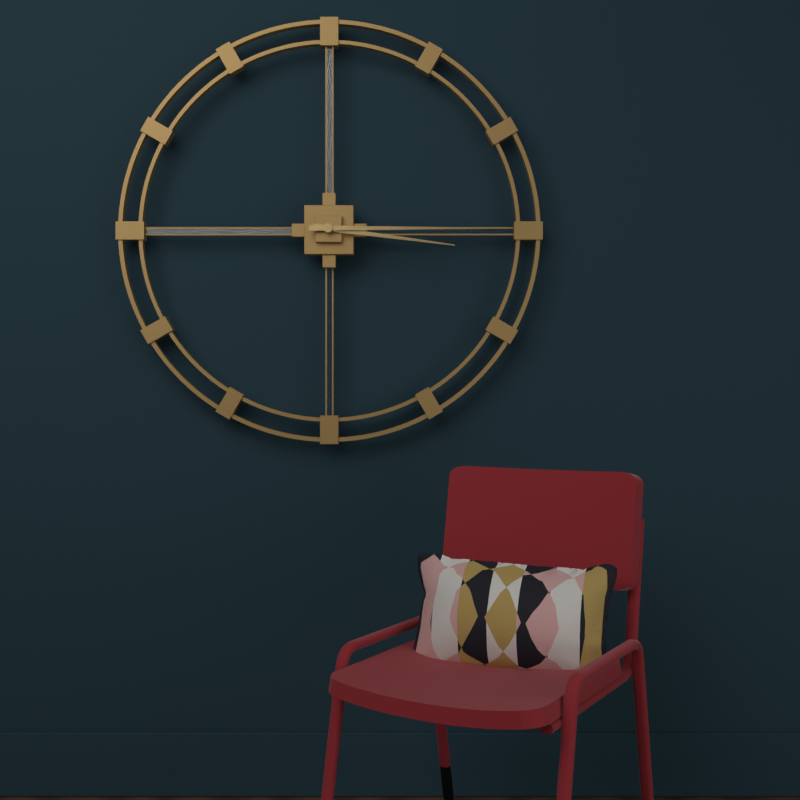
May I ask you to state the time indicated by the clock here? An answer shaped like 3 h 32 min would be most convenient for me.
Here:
3 h 15 min
